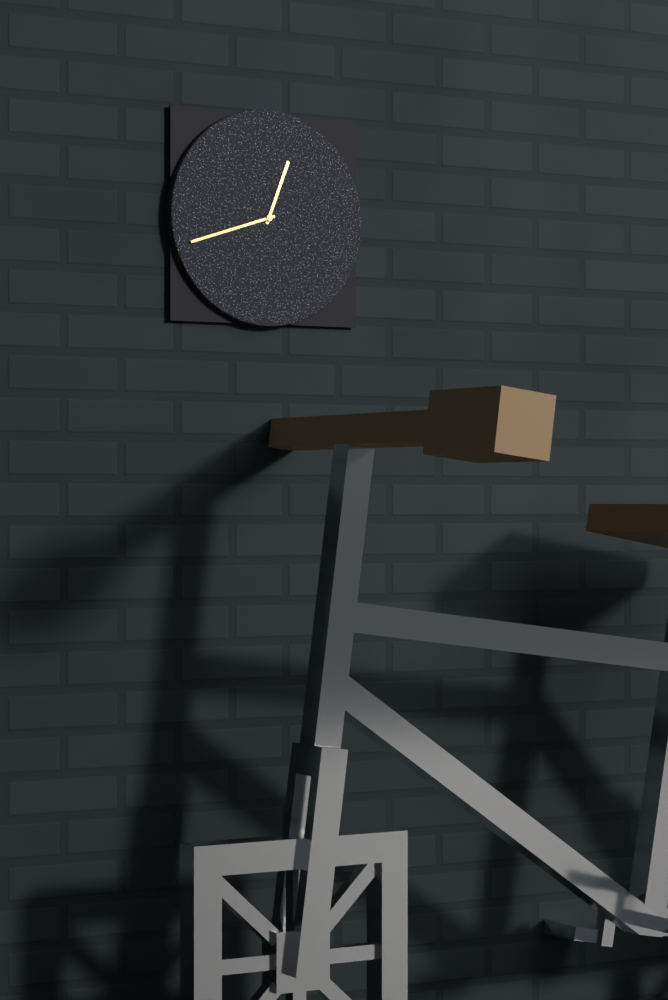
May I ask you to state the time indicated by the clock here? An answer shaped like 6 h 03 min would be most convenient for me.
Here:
12 h 42 min
